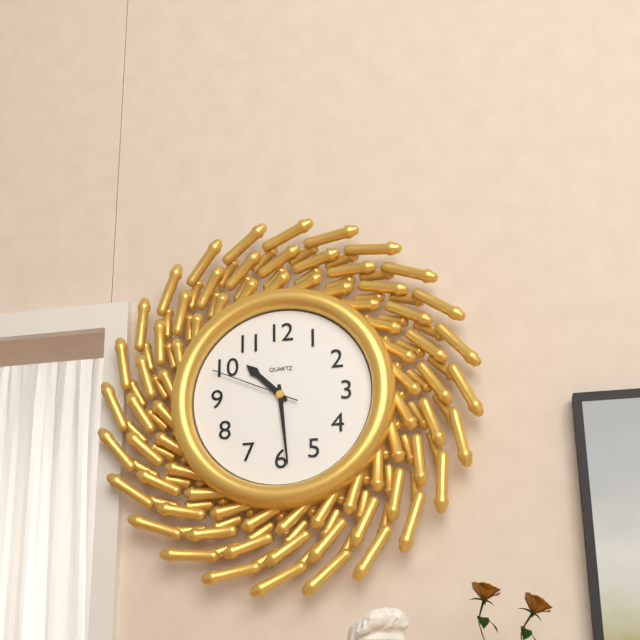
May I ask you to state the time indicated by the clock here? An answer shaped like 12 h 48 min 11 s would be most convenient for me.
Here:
10 h 29 min 49 s
